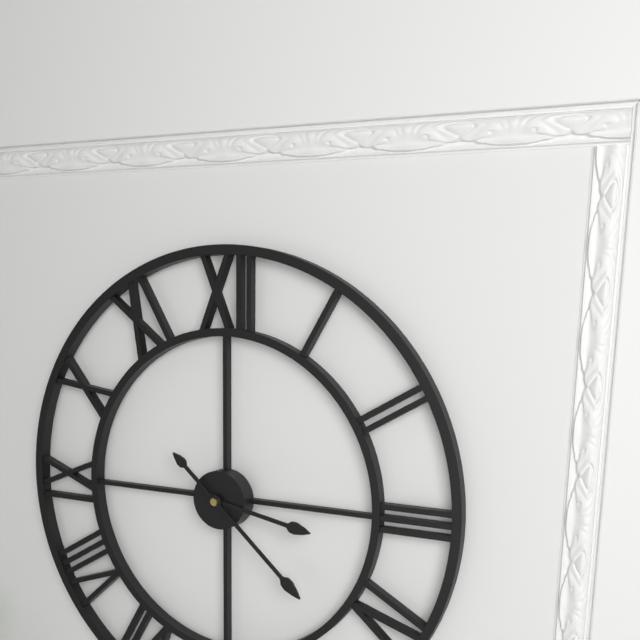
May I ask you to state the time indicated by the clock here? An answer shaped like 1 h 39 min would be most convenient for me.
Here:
3 h 22 min
